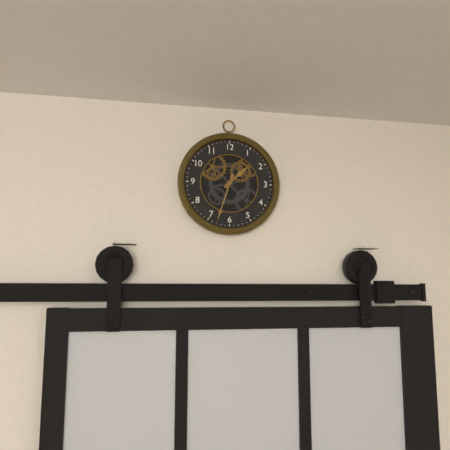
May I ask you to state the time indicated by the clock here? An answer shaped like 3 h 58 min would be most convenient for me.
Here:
1 h 33 min
